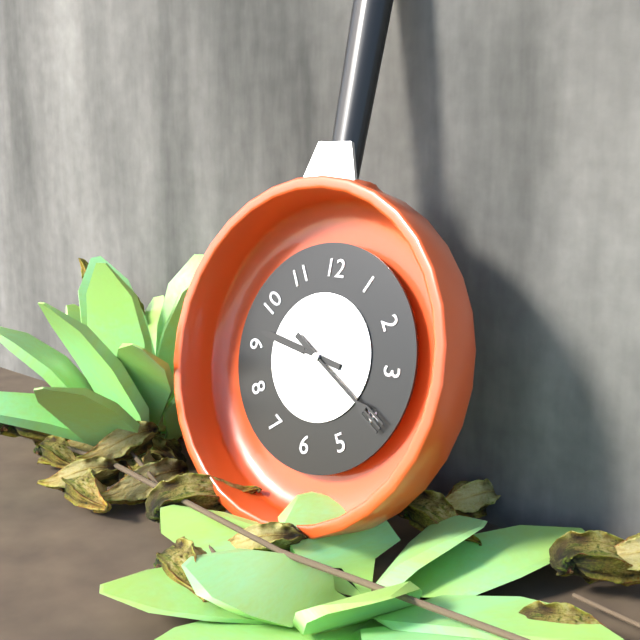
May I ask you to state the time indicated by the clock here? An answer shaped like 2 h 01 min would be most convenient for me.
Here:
9 h 20 min
